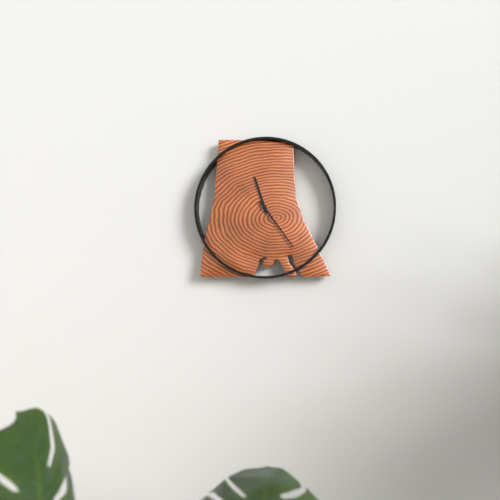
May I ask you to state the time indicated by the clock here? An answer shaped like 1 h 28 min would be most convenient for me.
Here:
11 h 24 min
